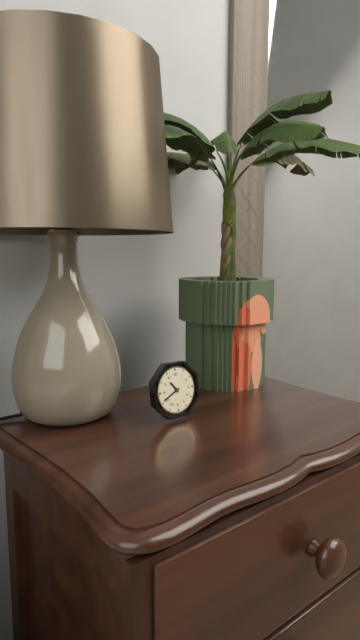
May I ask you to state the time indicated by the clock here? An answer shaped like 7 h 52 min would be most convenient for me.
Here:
10 h 41 min
